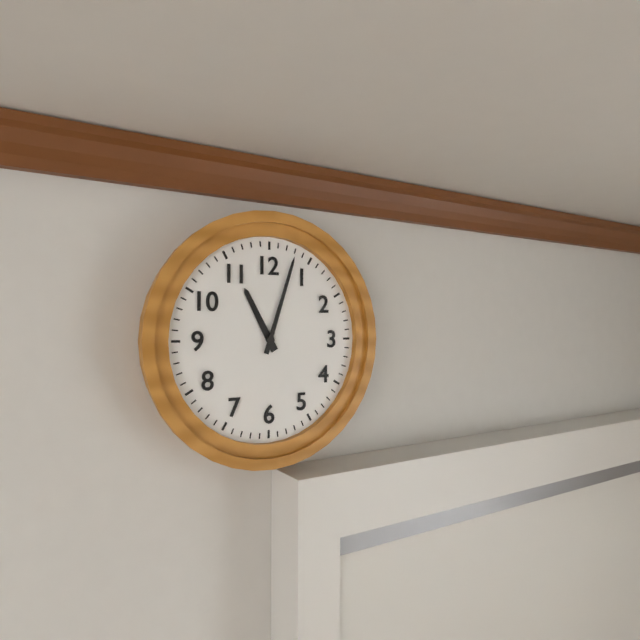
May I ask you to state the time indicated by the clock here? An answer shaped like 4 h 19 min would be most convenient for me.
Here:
11 h 03 min
